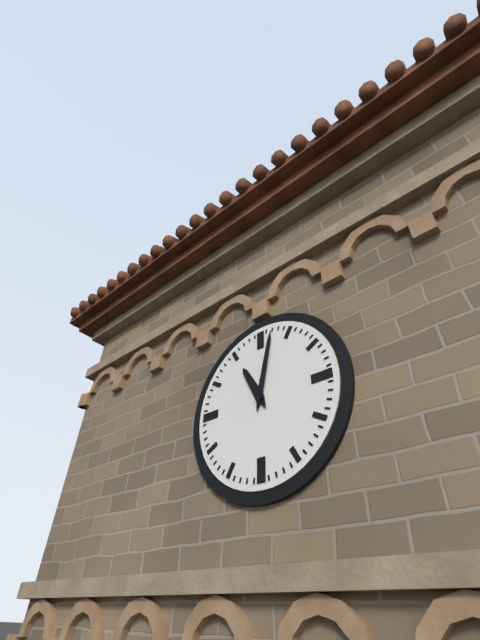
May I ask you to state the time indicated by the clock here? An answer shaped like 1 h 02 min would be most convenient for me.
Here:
11 h 02 min
